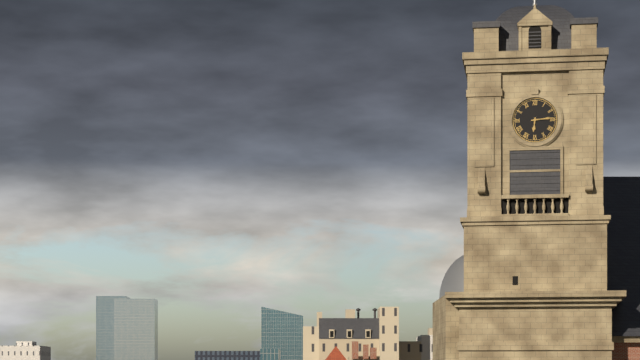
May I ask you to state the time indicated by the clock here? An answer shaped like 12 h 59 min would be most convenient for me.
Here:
6 h 14 min
